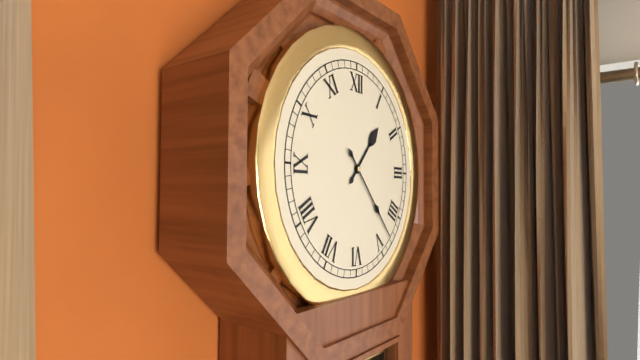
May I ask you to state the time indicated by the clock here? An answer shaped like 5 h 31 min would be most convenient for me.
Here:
1 h 23 min
